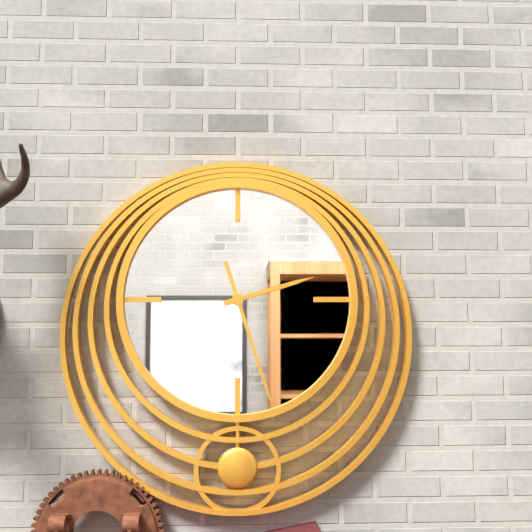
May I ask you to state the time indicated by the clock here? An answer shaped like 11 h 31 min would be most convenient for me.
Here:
2 h 27 min
